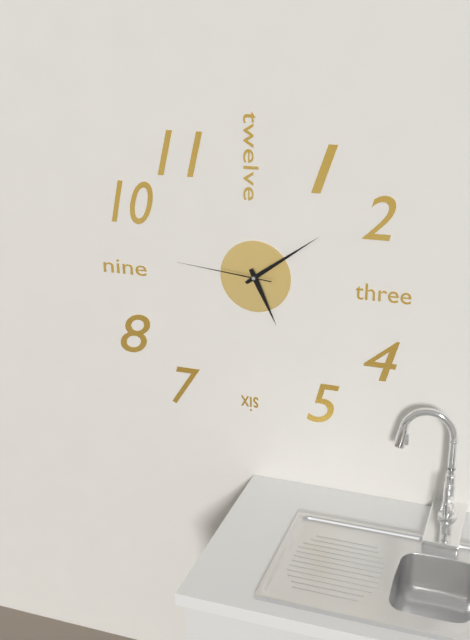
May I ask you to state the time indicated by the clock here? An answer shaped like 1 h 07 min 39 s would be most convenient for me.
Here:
5 h 09 min 46 s
